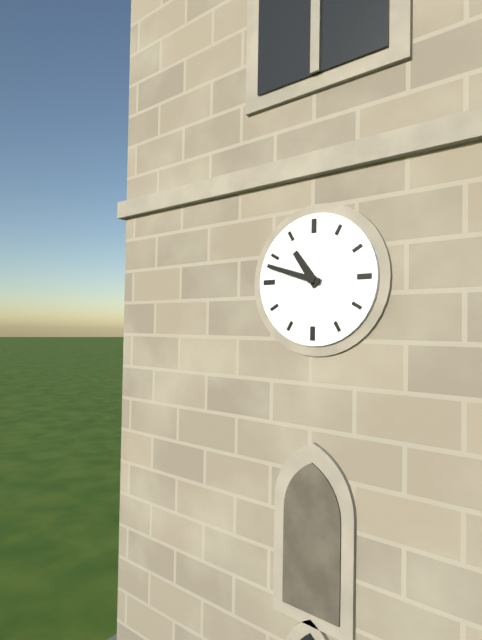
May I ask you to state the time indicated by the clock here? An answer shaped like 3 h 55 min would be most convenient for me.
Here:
10 h 48 min
